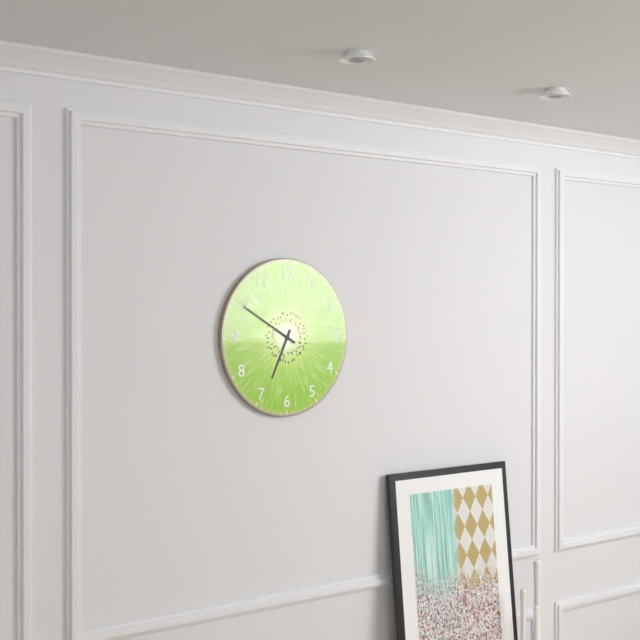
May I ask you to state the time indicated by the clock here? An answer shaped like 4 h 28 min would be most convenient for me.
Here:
6 h 50 min
